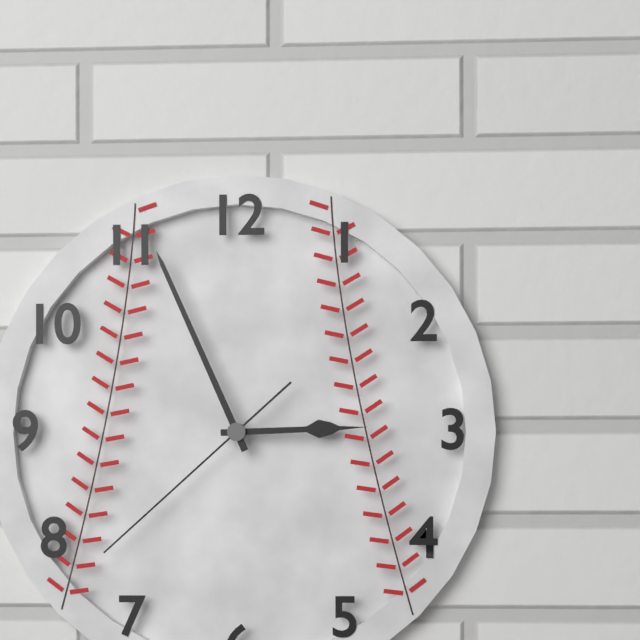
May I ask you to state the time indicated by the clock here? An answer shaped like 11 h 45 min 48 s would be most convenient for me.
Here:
2 h 56 min 38 s
